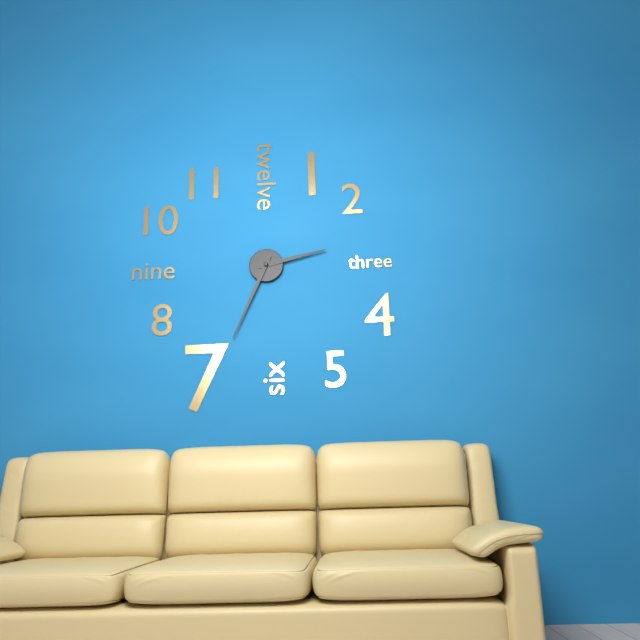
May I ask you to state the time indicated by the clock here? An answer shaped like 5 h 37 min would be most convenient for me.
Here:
2 h 34 min
